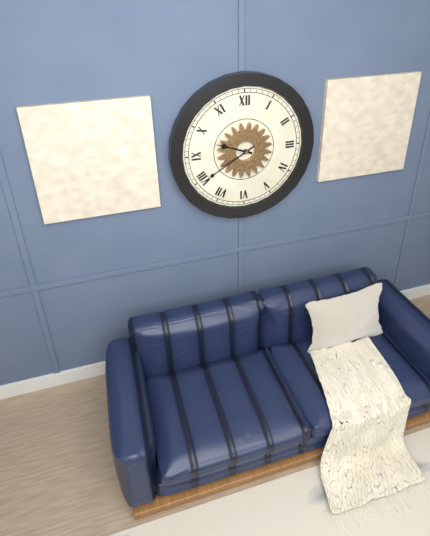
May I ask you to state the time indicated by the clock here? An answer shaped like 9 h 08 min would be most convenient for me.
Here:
9 h 40 min
